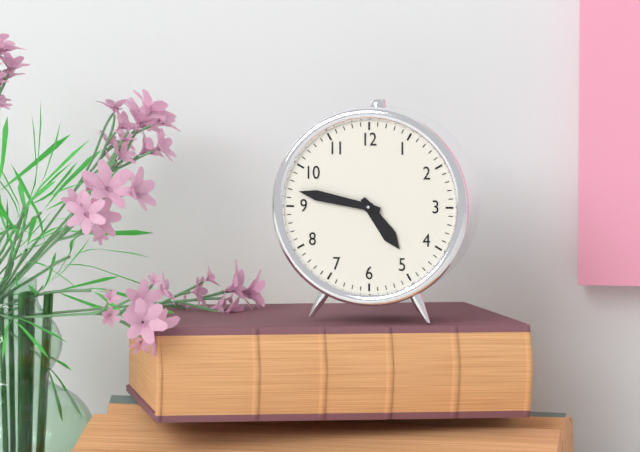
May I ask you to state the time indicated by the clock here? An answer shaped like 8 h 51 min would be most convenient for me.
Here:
4 h 47 min
